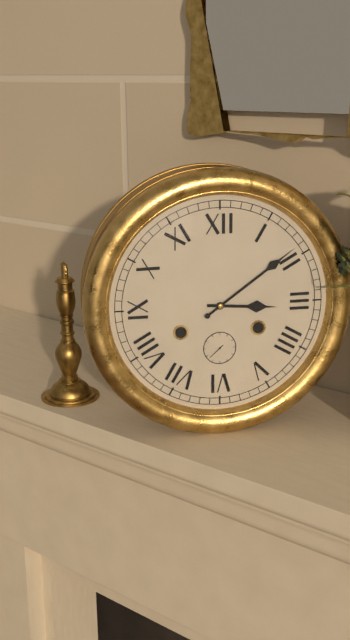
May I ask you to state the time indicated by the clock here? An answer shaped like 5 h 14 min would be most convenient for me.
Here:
3 h 09 min
